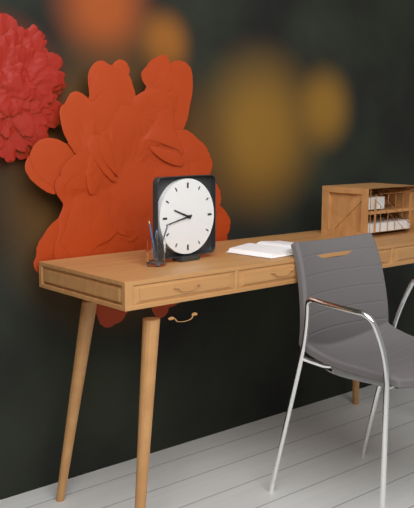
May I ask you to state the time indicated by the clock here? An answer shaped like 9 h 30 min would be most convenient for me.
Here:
9 h 43 min
